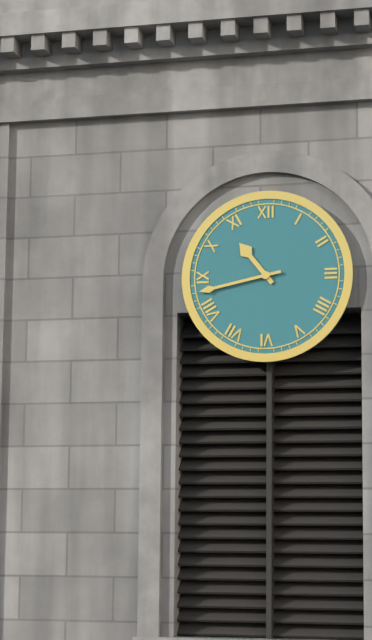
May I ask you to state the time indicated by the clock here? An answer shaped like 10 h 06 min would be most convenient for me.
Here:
10 h 43 min
